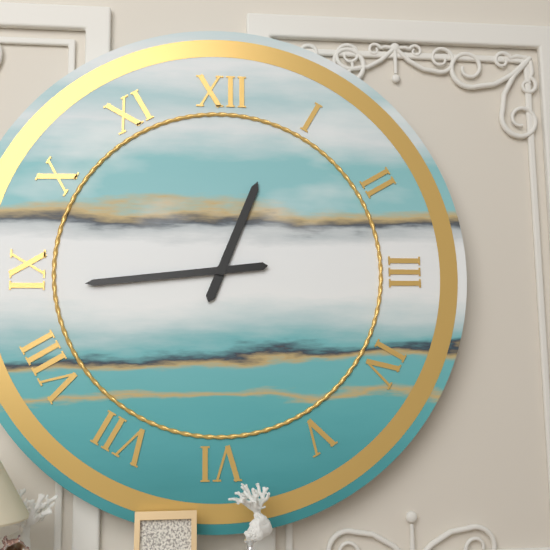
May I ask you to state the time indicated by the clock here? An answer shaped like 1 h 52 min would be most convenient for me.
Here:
12 h 44 min
